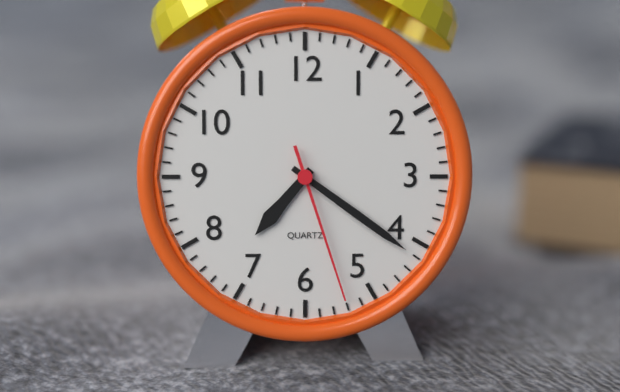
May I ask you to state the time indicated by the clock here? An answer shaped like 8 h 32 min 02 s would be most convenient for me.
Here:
7 h 21 min 27 s
